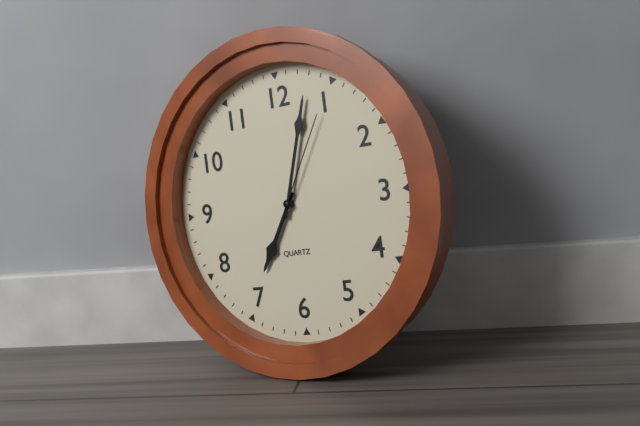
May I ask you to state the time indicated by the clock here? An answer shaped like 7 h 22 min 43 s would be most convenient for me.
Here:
7 h 03 min 05 s
